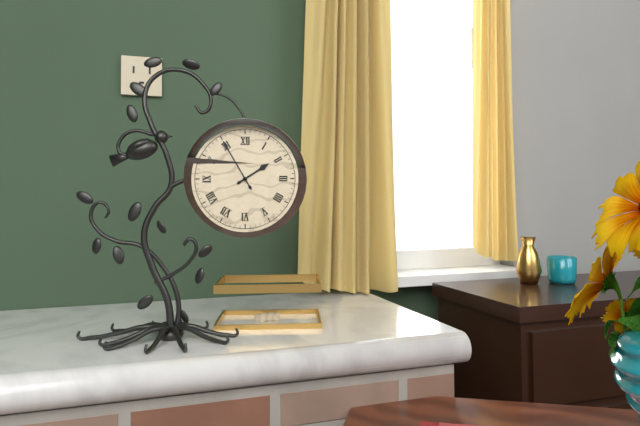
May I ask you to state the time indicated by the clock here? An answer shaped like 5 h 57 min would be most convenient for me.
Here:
1 h 55 min
